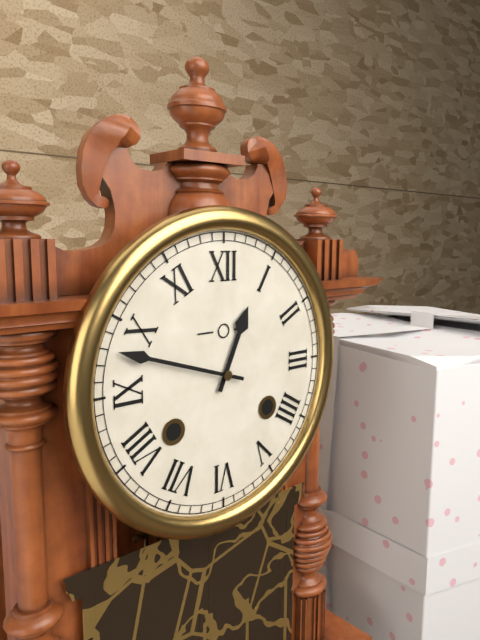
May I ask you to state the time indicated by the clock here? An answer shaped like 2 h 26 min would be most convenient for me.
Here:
12 h 48 min
